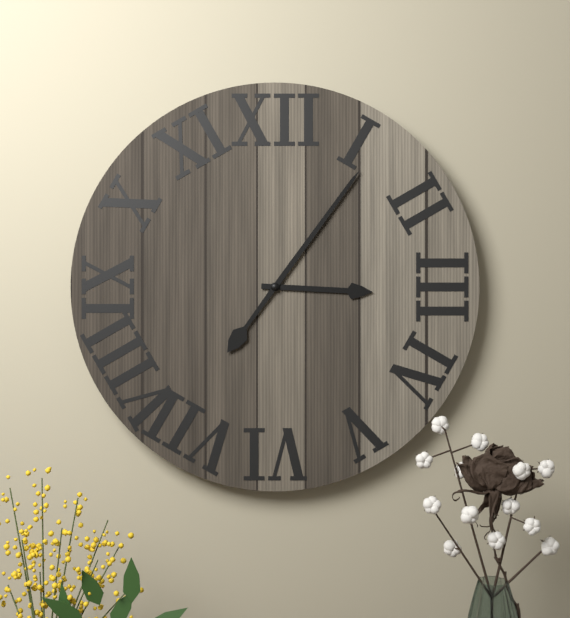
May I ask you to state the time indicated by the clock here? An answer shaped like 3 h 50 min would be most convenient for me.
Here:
3 h 06 min
